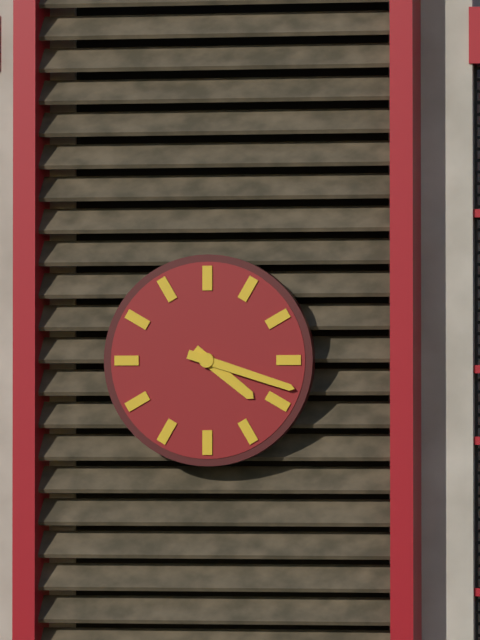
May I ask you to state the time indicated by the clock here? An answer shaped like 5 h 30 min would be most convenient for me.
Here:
4 h 18 min
